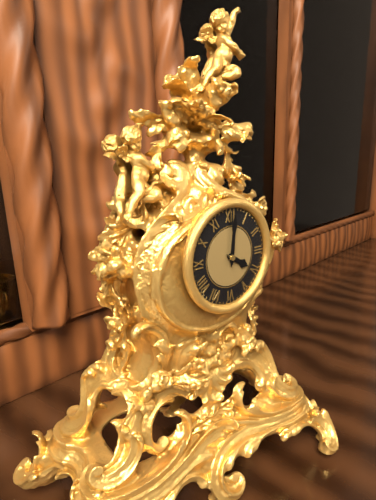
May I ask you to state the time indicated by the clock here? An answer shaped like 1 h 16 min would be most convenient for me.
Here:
4 h 01 min
